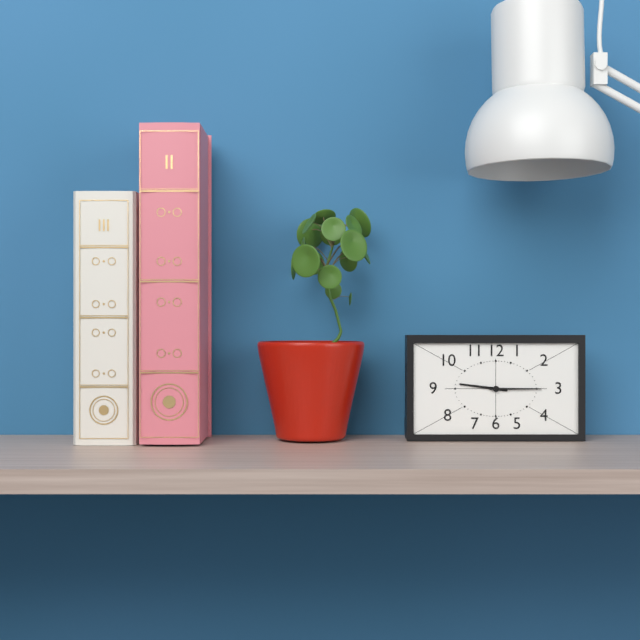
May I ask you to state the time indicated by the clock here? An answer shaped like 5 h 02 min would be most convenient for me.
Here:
9 h 15 min
